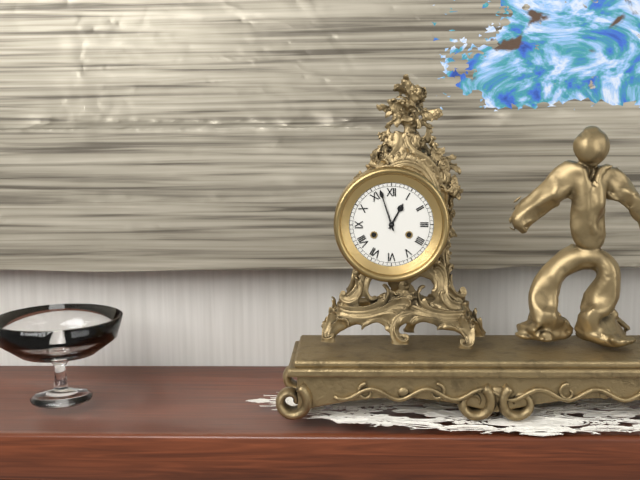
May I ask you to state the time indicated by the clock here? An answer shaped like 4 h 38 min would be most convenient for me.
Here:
12 h 57 min
